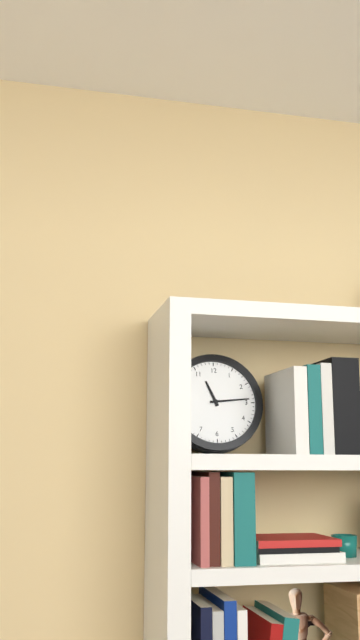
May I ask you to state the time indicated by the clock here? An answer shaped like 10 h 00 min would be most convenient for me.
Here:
11 h 14 min
